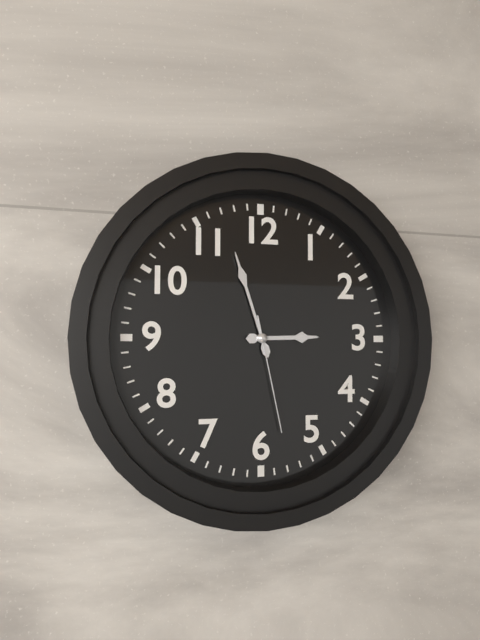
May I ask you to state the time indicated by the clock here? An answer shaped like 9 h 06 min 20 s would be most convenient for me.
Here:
2 h 57 min 28 s
